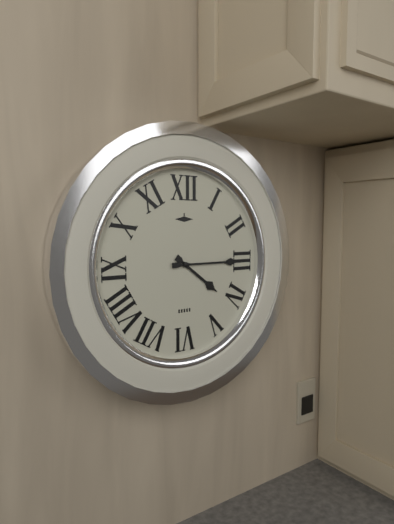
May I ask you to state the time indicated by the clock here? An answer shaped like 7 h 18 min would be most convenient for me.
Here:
4 h 15 min
